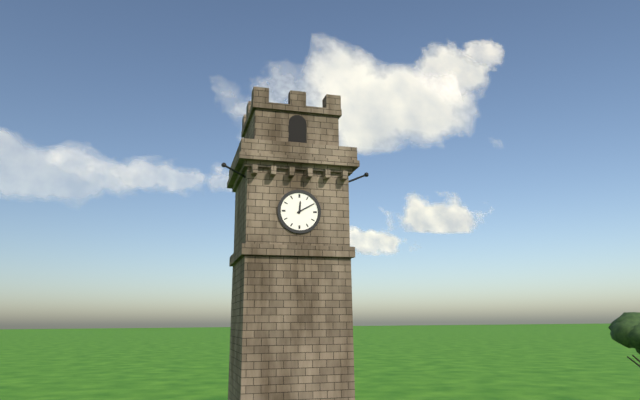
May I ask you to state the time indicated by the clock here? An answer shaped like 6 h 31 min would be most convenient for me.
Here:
12 h 10 min
